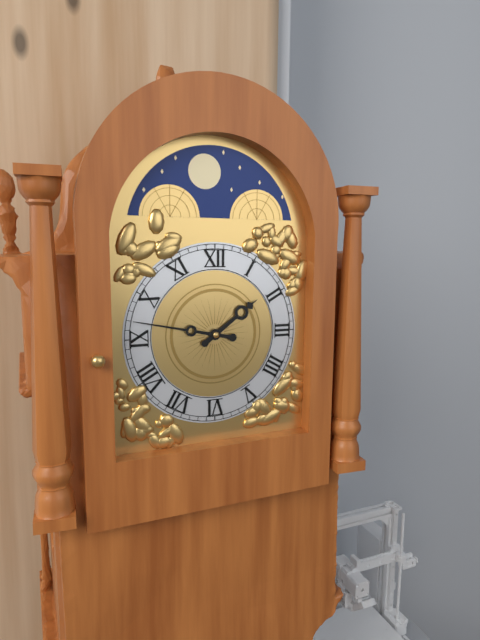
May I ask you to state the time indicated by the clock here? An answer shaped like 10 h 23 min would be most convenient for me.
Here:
1 h 47 min
